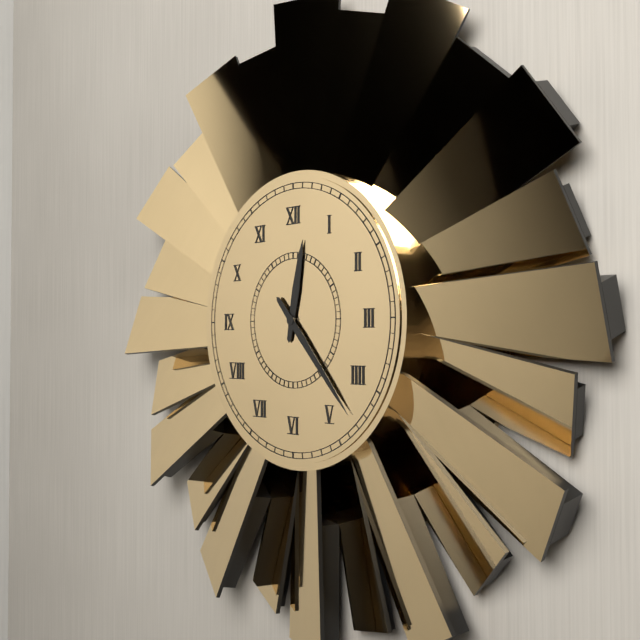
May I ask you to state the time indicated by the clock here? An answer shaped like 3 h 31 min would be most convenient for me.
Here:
12 h 23 min
